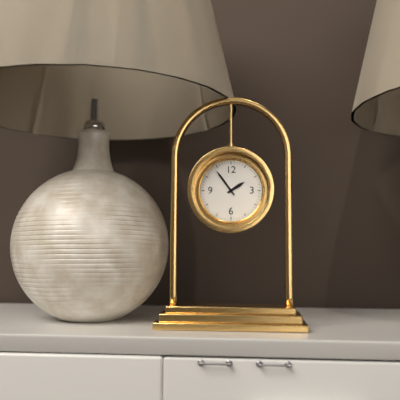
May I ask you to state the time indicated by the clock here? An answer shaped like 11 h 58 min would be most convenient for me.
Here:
1 h 54 min
